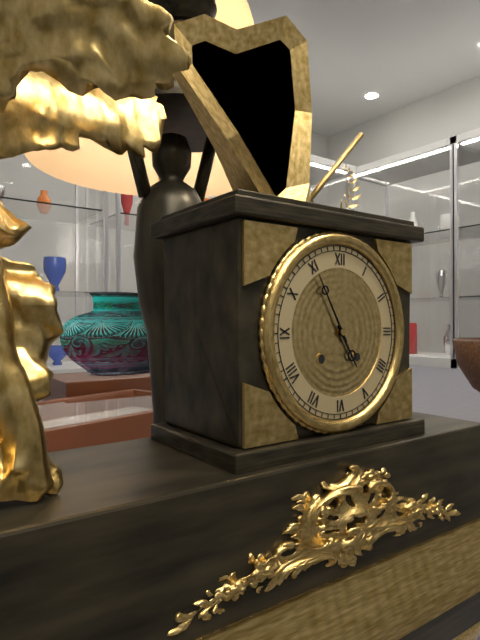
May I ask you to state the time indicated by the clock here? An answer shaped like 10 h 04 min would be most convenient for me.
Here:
4 h 55 min
